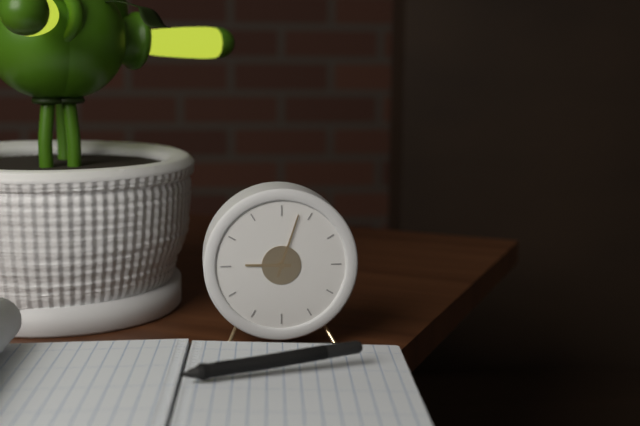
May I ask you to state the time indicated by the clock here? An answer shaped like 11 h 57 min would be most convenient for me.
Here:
9 h 03 min
